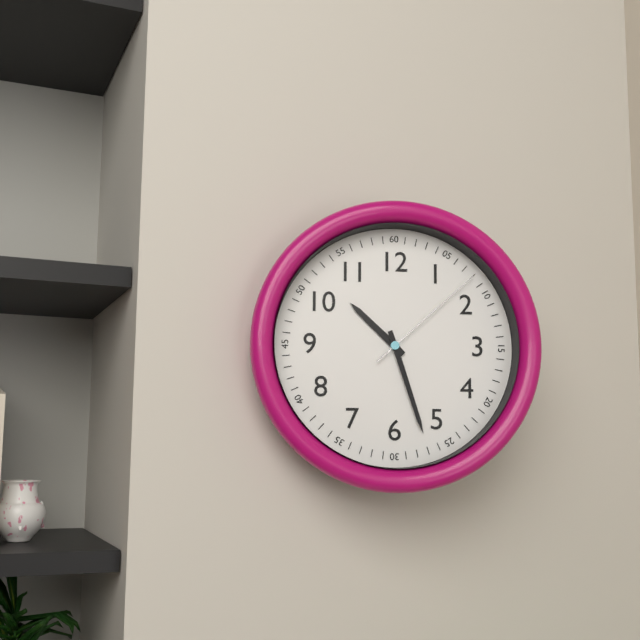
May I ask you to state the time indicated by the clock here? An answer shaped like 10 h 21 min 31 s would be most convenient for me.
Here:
10 h 27 min 08 s
